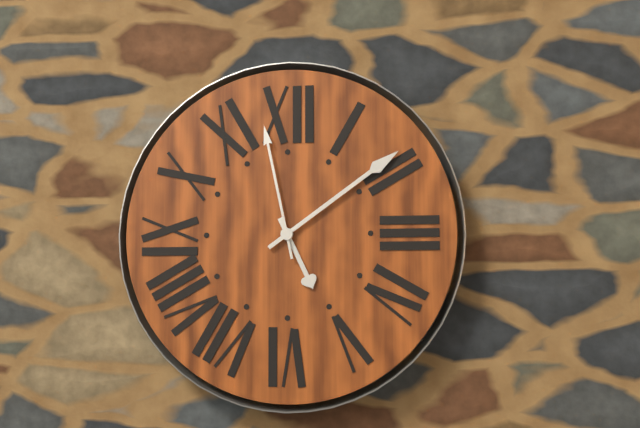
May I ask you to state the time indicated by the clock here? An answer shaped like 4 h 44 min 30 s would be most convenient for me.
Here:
5 h 09 min 58 s
